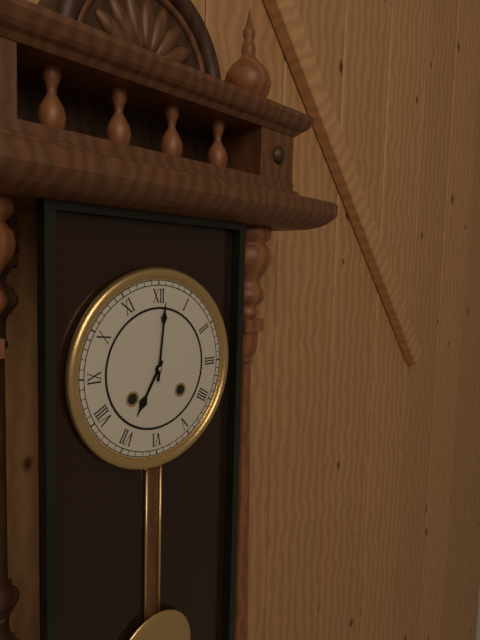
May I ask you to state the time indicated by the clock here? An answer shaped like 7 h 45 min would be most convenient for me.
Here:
7 h 01 min
